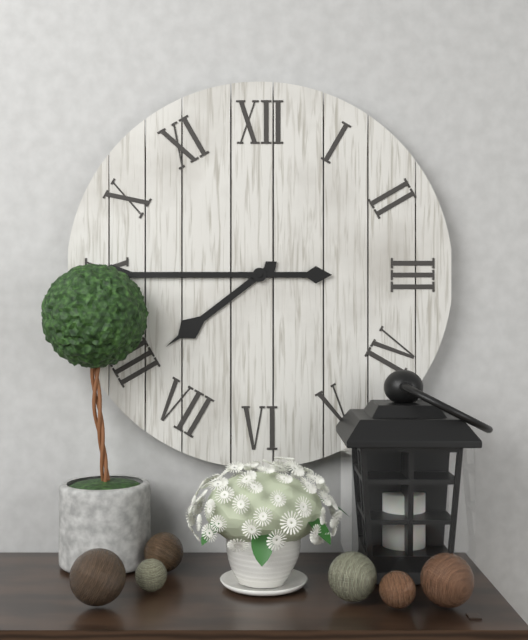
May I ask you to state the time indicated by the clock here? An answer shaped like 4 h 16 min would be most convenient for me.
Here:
7 h 45 min
